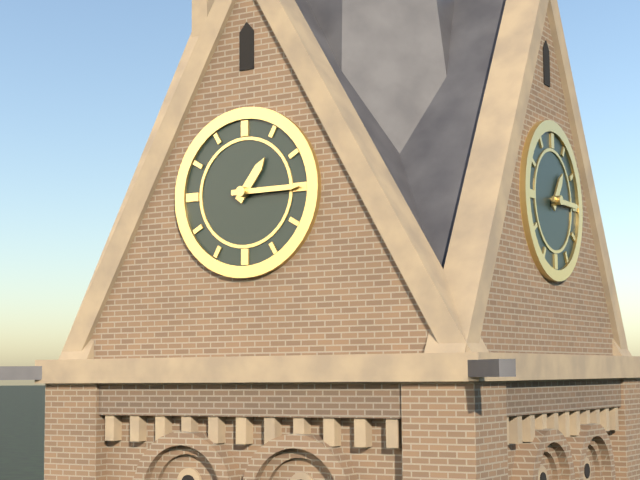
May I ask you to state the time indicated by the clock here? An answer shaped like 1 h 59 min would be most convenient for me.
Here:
1 h 15 min
